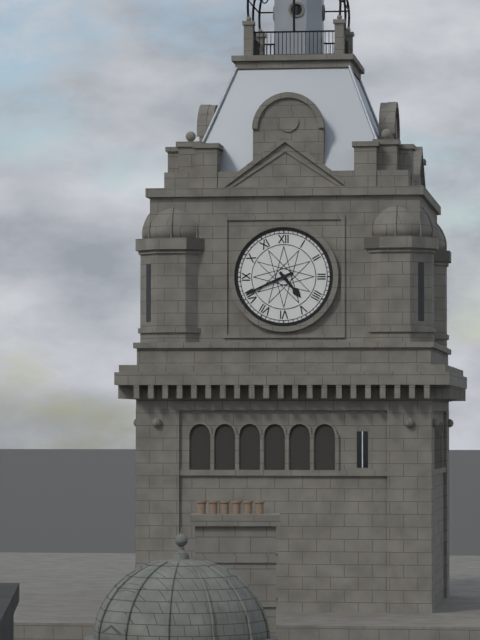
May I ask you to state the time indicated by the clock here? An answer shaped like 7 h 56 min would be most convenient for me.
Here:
4 h 41 min
